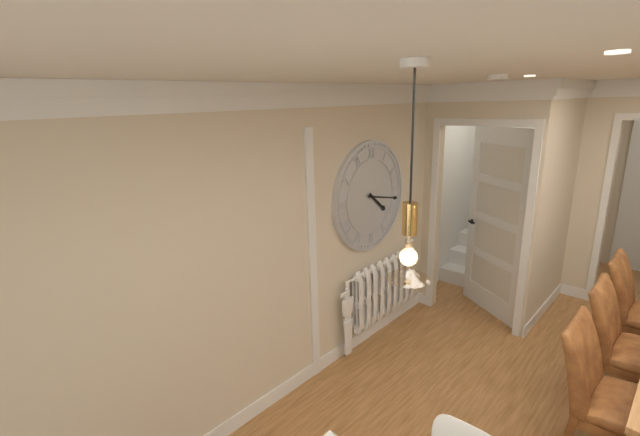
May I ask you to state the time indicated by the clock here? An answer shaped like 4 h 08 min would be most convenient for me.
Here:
4 h 17 min
